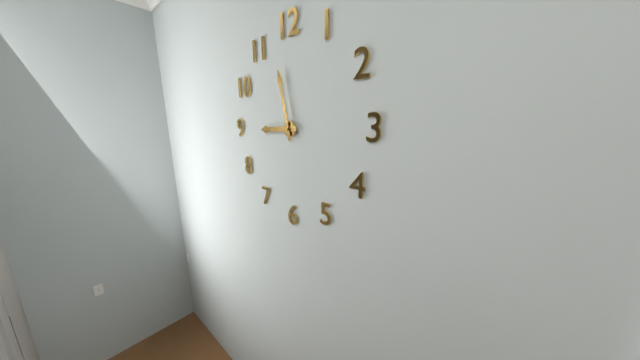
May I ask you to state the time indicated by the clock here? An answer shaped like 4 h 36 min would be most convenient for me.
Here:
8 h 58 min
